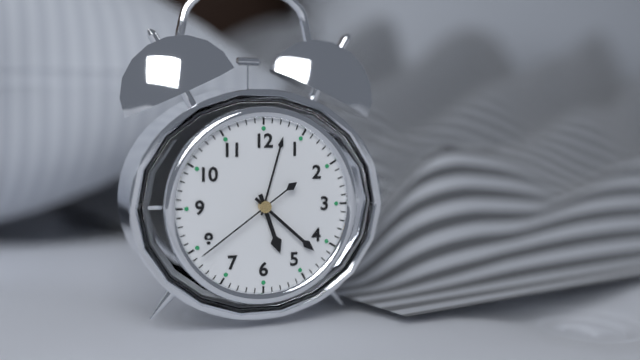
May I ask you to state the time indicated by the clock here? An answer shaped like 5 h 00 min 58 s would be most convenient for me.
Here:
5 h 22 min 39 s
